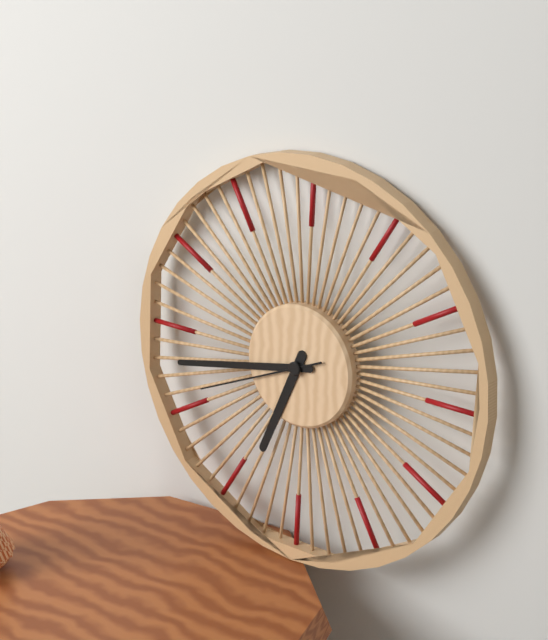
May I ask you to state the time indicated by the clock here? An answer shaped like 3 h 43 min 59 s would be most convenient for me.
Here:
6 h 43 min 41 s
